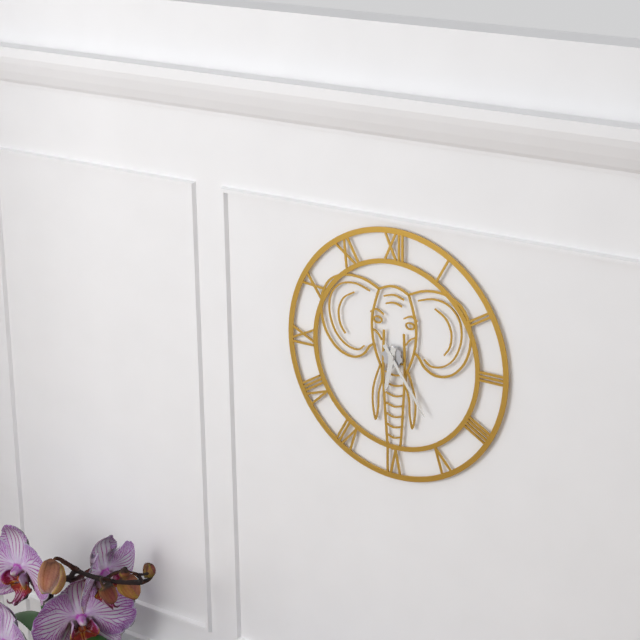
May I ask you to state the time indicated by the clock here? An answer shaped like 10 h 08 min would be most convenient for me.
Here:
6 h 24 min
